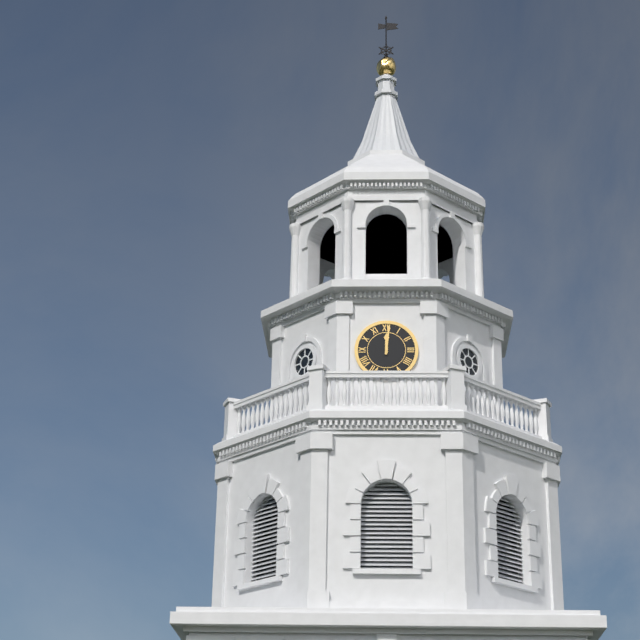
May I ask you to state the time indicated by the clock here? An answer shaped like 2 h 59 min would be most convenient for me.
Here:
12 h 01 min
